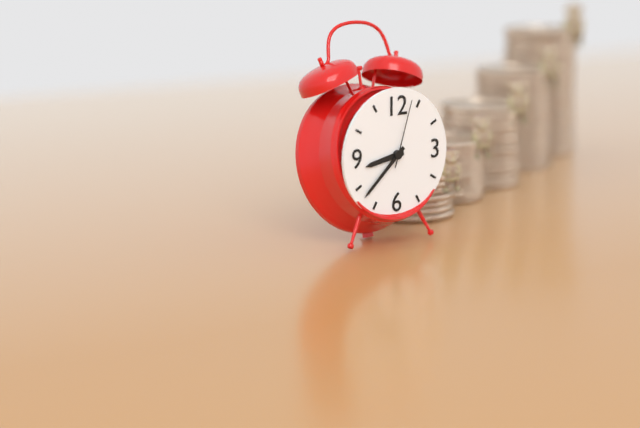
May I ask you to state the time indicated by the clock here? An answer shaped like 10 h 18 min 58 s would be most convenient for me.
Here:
8 h 38 min 03 s
